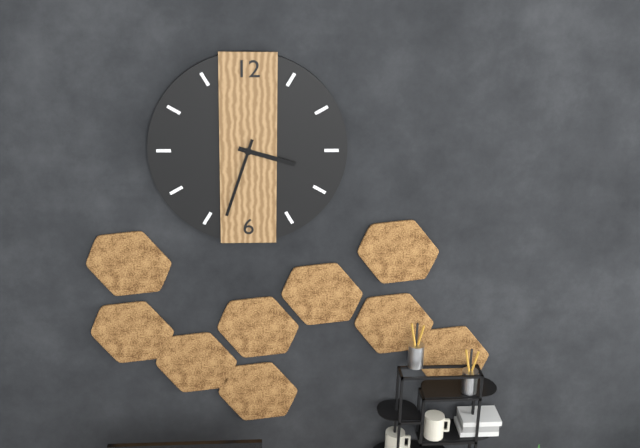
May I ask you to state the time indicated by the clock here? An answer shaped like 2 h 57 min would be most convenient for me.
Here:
3 h 33 min
